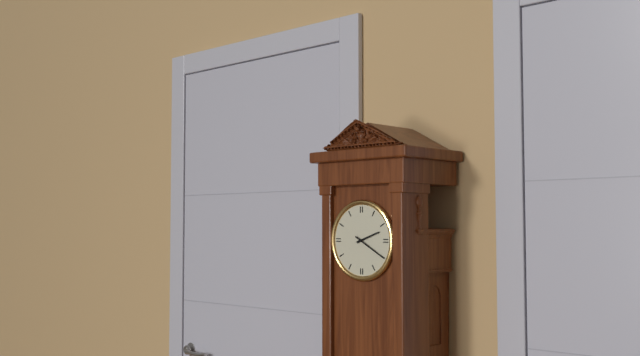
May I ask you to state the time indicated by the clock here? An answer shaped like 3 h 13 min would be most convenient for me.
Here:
2 h 20 min
